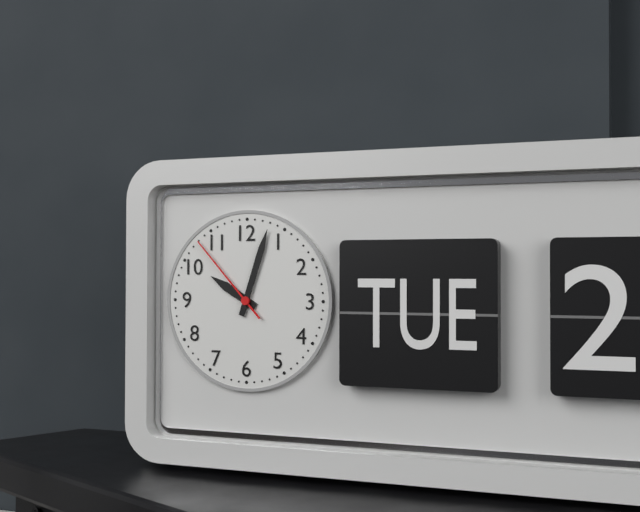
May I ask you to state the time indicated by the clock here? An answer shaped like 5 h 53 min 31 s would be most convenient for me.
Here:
10 h 03 min 53 s
